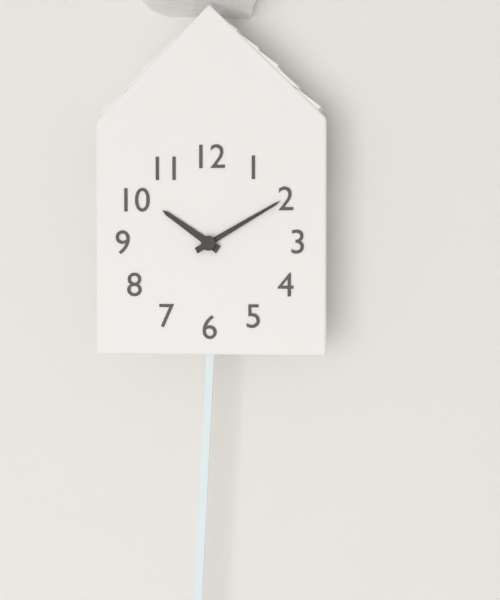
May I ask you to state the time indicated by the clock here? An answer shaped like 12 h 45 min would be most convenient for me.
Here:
10 h 10 min
